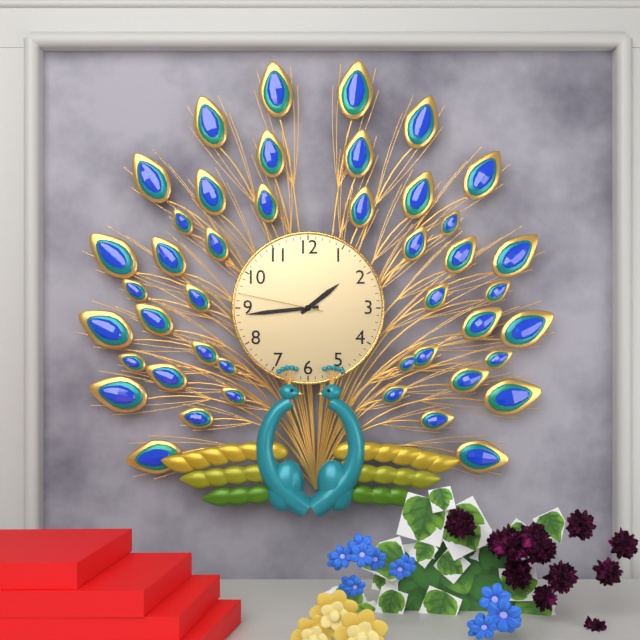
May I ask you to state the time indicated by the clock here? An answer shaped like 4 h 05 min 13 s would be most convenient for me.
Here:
1 h 44 min 47 s
